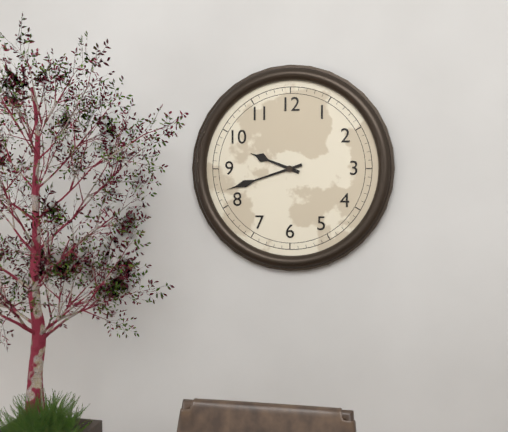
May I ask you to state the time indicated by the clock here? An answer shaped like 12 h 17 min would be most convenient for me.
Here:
9 h 42 min
